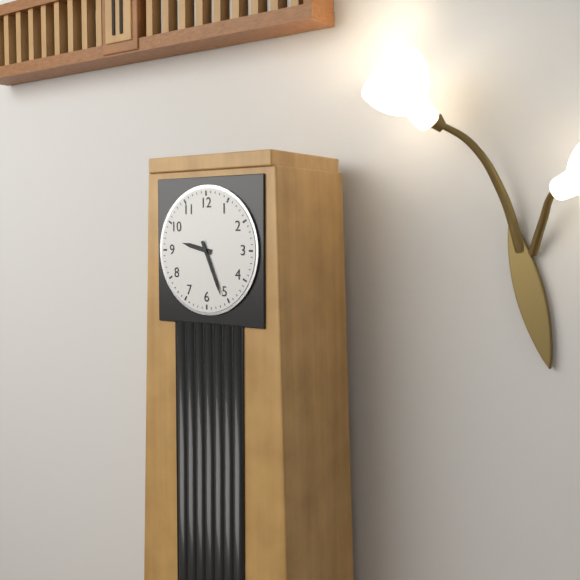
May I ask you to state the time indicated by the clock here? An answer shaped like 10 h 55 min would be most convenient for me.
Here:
9 h 26 min
